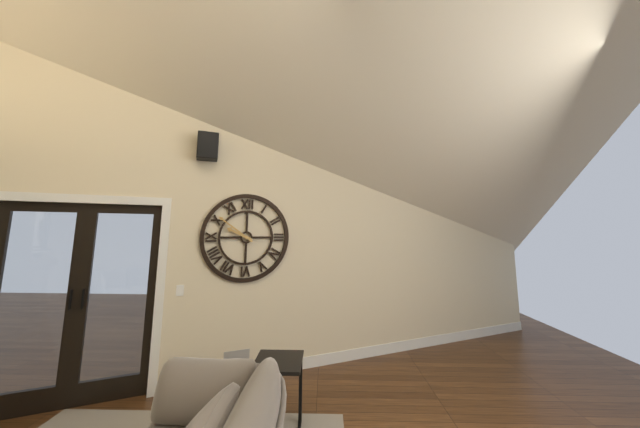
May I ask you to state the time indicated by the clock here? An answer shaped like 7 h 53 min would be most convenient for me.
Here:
9 h 51 min
